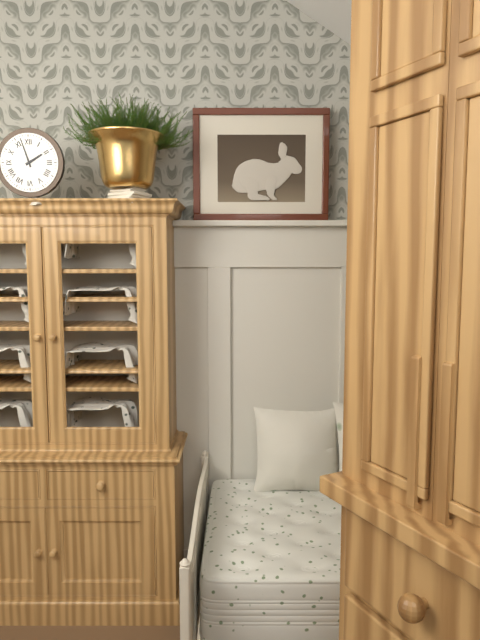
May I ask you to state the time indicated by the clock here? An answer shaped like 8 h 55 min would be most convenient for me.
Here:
1 h 57 min
